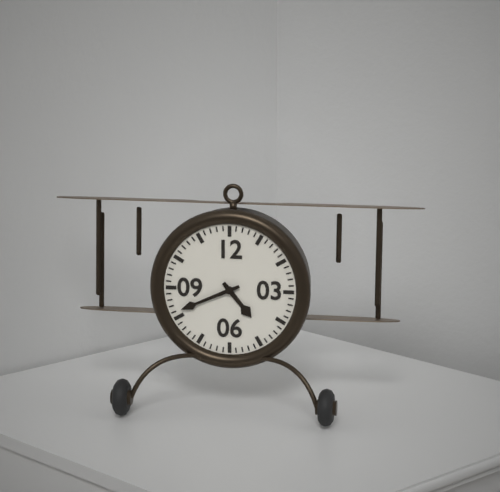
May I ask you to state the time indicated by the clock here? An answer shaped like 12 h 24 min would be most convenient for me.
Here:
4 h 41 min
